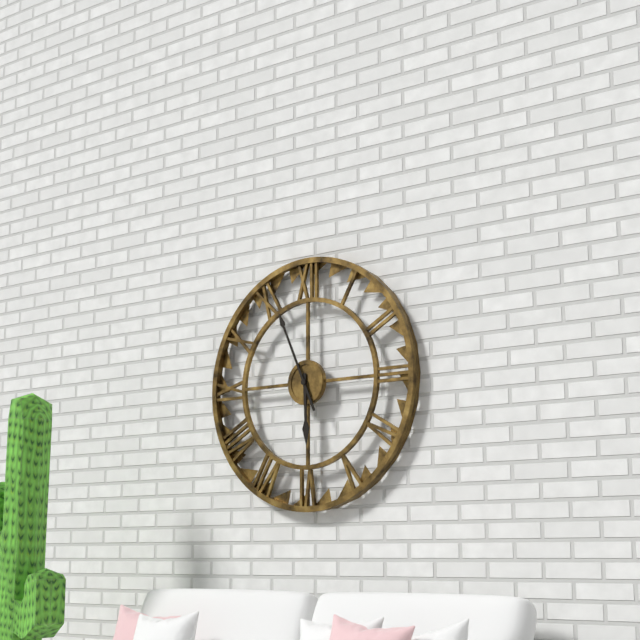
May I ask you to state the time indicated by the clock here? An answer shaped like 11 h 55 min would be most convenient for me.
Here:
5 h 56 min
